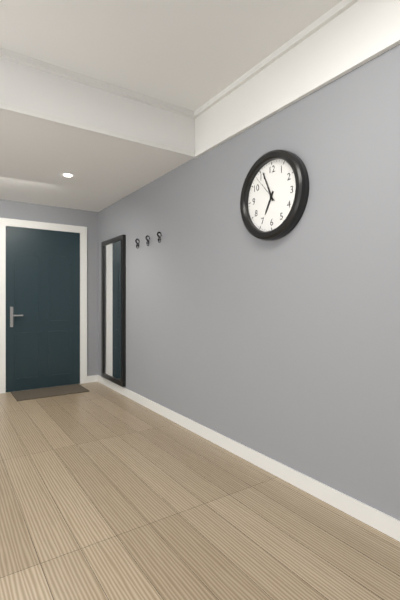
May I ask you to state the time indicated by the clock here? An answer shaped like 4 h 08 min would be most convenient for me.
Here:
6 h 56 min
